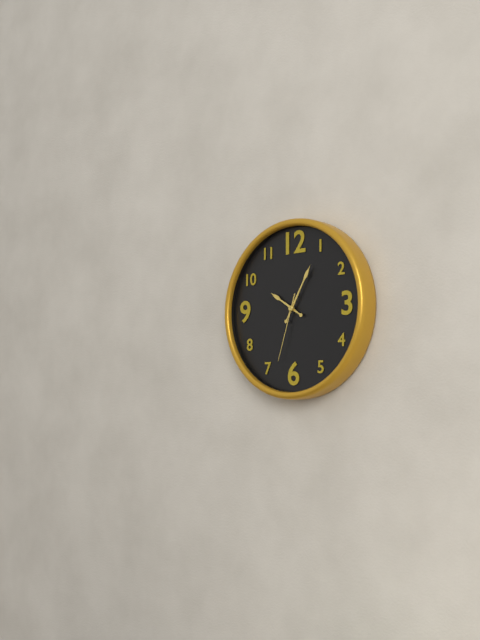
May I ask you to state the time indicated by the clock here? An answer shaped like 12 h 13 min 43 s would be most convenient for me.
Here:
10 h 05 min 33 s
